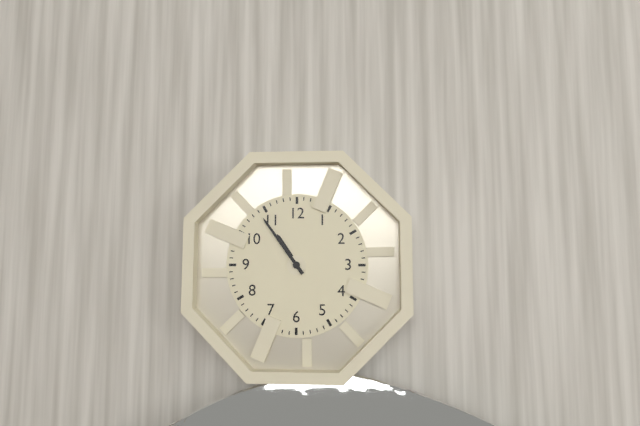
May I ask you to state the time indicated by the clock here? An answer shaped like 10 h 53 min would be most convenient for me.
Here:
10 h 54 min
